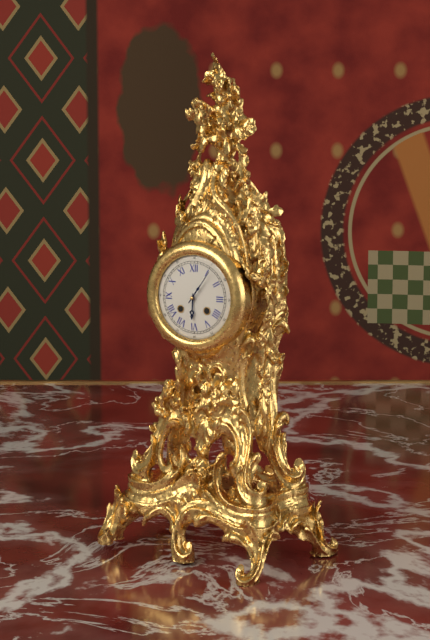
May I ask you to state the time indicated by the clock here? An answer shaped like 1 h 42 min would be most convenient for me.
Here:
6 h 06 min
